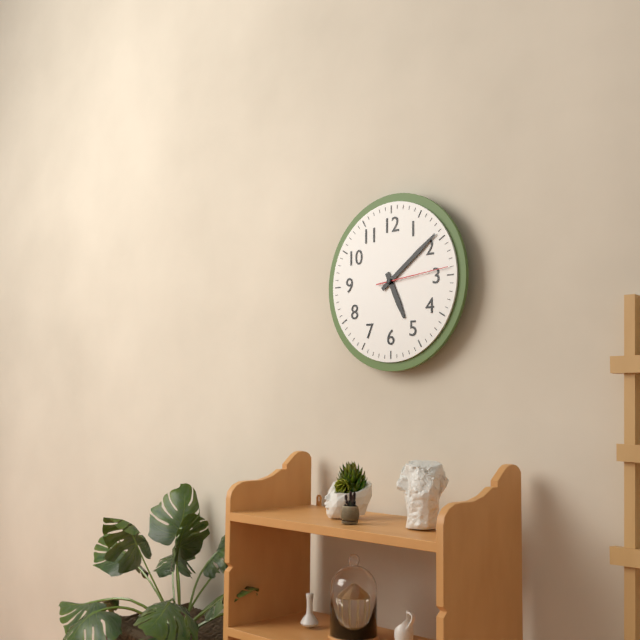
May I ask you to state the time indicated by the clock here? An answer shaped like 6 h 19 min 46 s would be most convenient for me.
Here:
5 h 09 min 14 s
